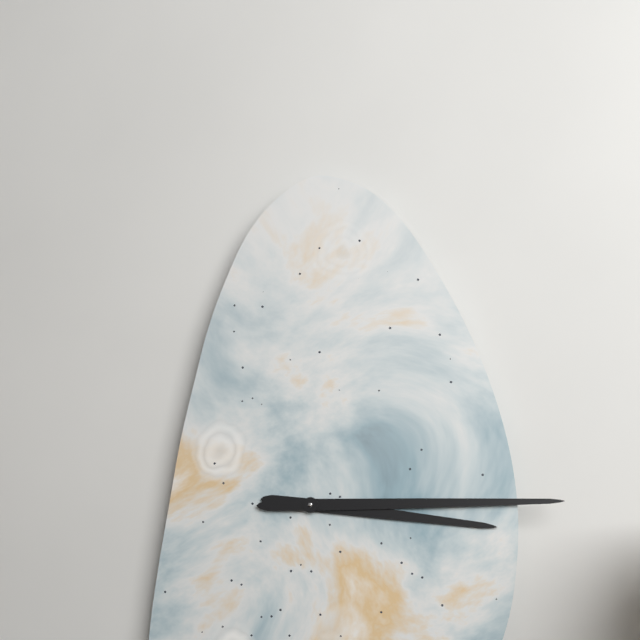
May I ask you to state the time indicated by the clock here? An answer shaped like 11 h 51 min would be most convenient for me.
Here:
3 h 15 min
